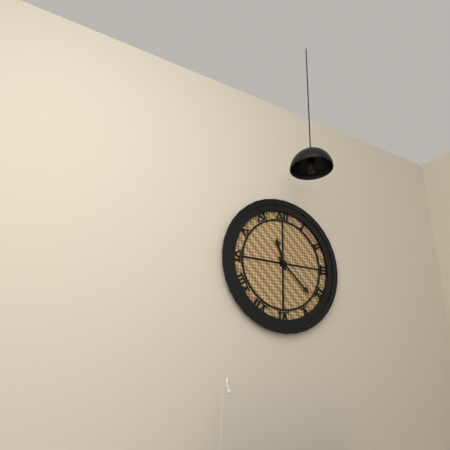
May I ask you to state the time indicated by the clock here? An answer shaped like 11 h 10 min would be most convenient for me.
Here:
11 h 22 min
